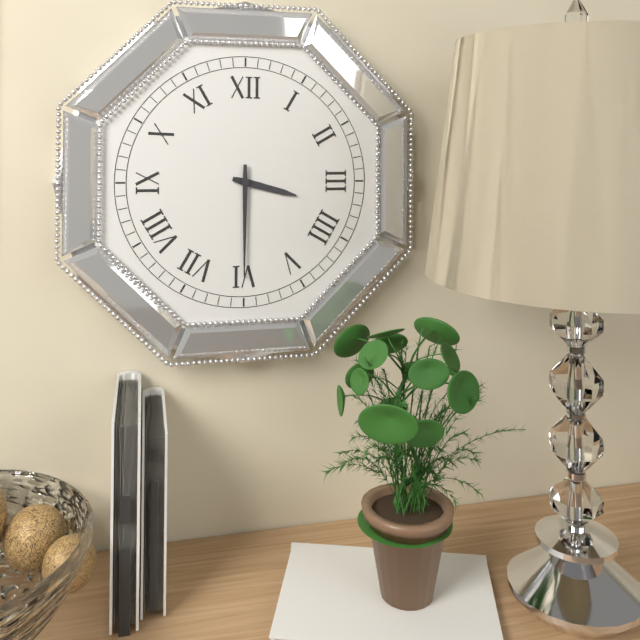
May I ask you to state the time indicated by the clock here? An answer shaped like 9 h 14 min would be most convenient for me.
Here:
3 h 30 min
